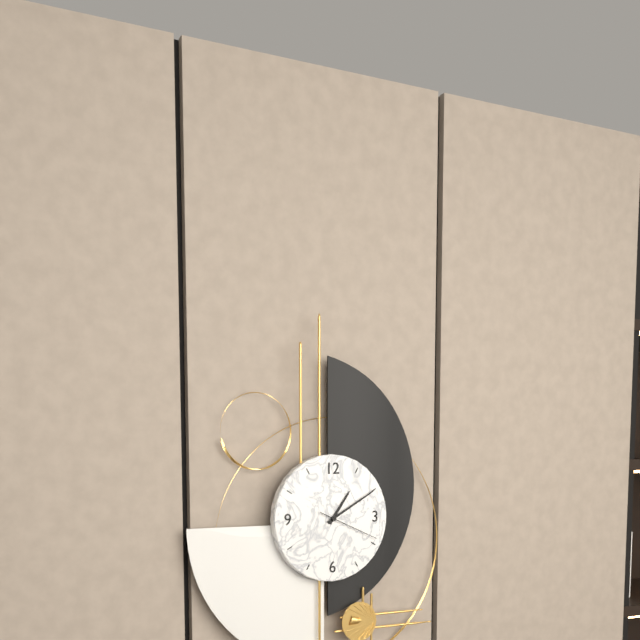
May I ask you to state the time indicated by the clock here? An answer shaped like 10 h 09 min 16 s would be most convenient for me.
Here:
1 h 10 min 19 s
